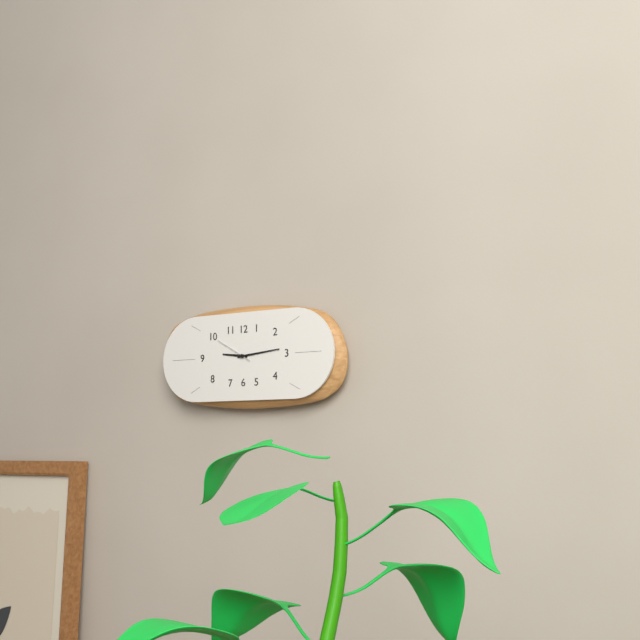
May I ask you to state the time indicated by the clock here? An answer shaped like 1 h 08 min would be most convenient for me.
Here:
9 h 14 min
